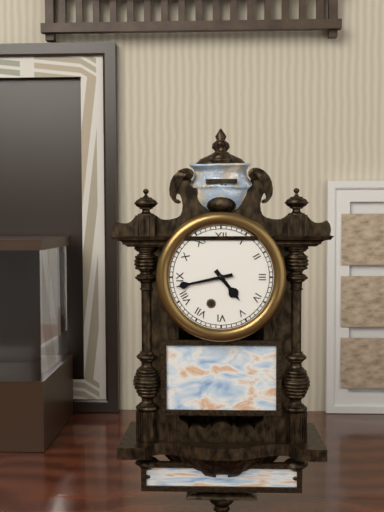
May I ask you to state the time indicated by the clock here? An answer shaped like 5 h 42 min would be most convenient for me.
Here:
4 h 43 min
